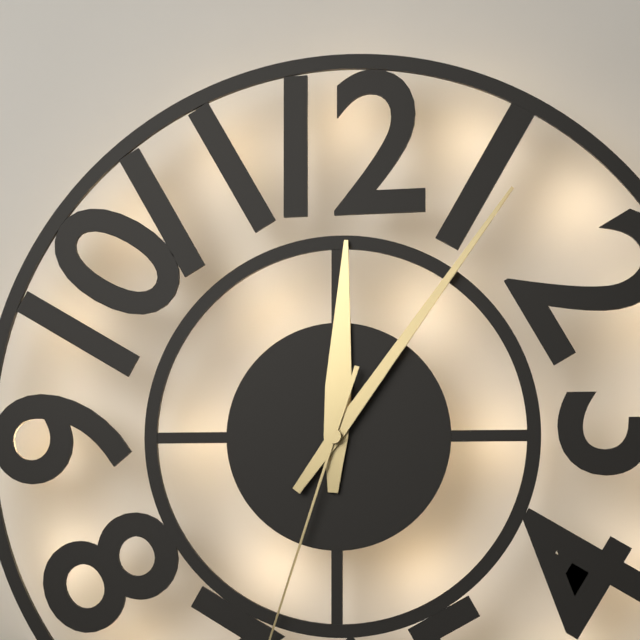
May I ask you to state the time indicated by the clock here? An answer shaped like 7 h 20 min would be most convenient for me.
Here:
12 h 06 min
